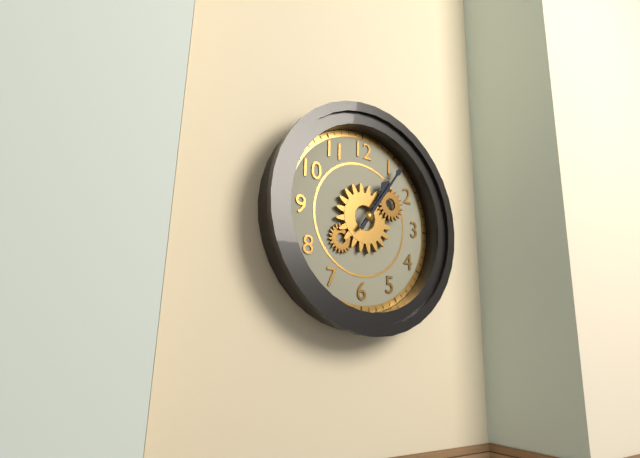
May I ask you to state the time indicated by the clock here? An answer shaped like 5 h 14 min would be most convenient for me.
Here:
1 h 06 min
